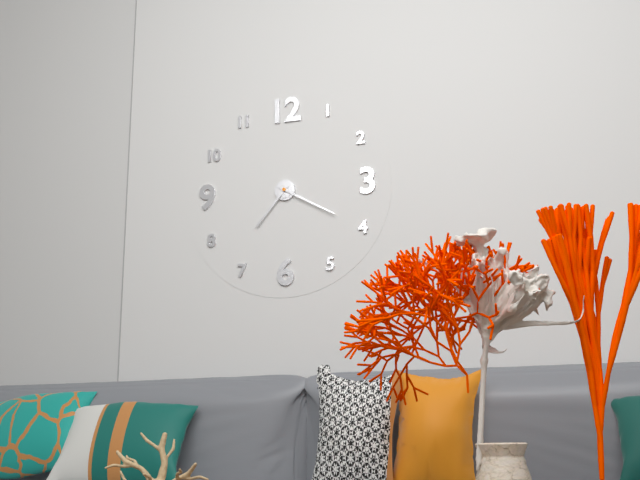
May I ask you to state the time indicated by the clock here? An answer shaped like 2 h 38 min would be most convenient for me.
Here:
7 h 20 min
